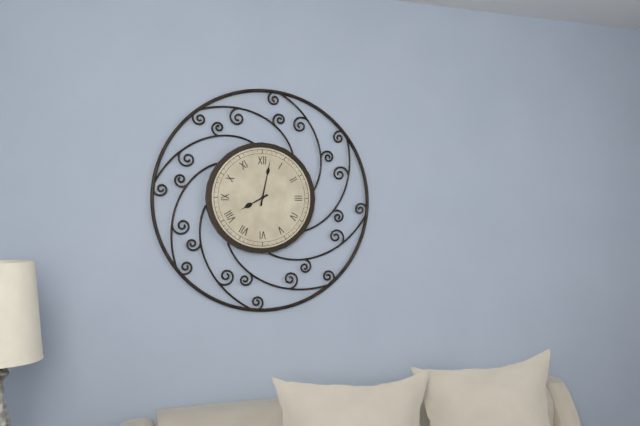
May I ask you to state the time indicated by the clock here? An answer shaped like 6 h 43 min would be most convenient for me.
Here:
8 h 02 min
